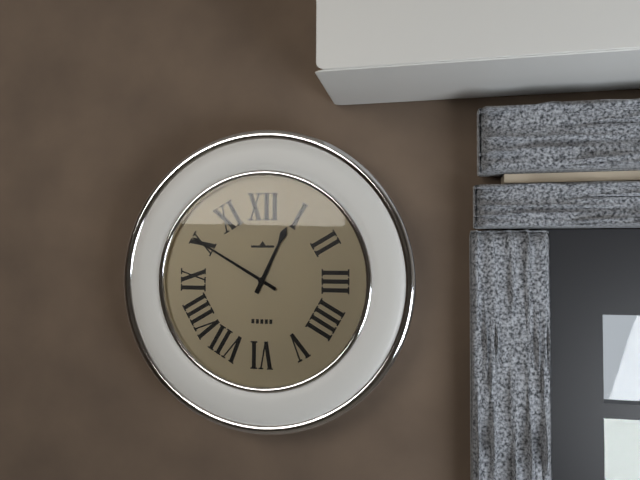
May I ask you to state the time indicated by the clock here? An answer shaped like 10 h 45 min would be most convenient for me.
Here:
12 h 50 min
